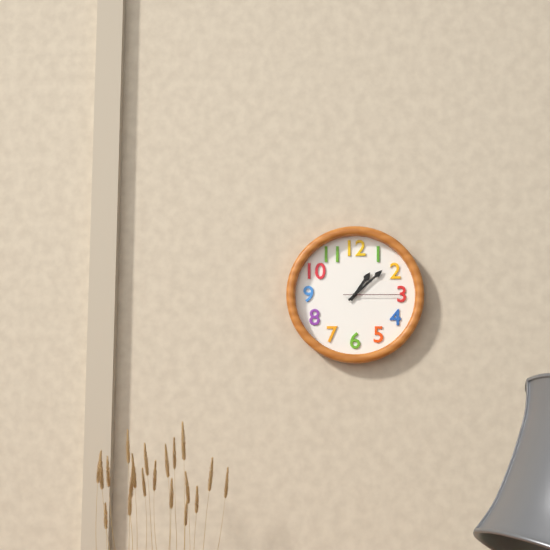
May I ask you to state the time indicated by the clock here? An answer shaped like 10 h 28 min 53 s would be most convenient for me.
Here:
1 h 08 min 15 s
